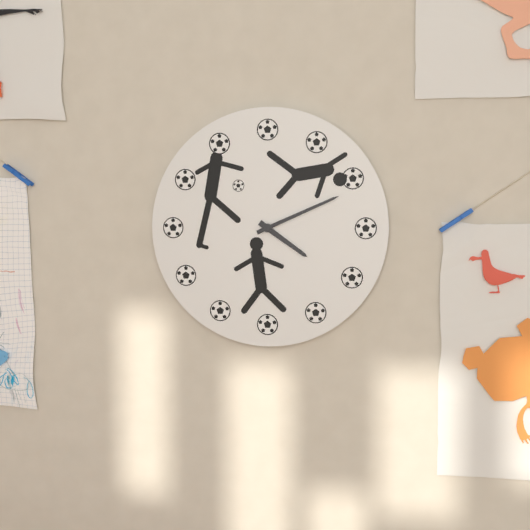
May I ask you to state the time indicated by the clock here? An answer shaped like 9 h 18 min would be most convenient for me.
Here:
4 h 11 min
